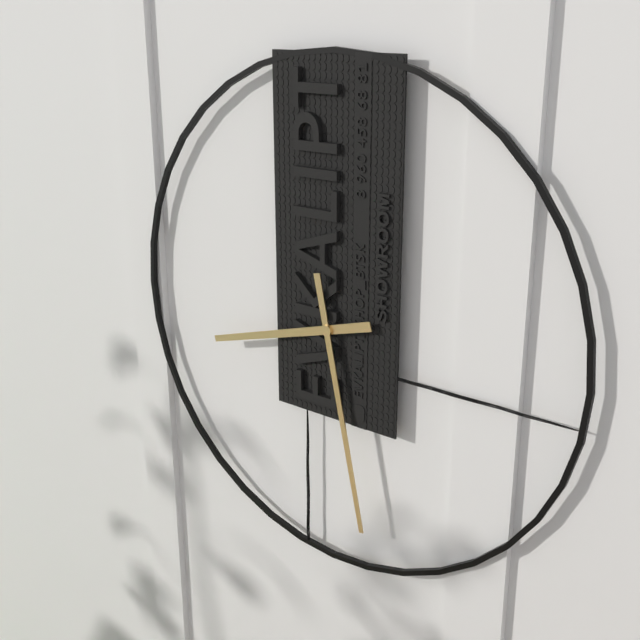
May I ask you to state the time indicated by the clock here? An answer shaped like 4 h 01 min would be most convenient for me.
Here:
8 h 28 min
